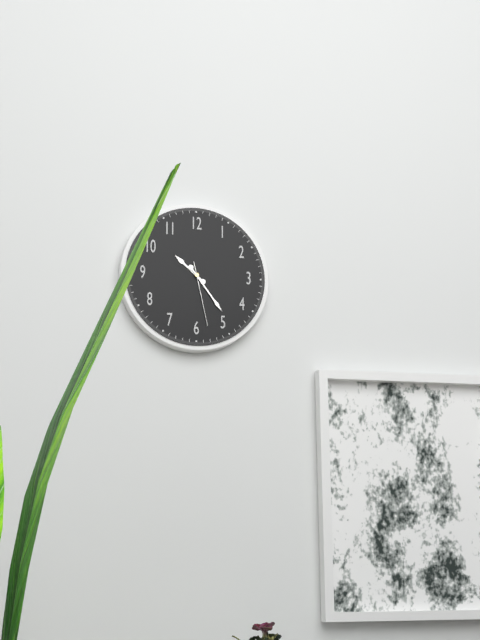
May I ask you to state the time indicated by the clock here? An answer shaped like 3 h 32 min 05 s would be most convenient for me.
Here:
10 h 24 min 28 s
